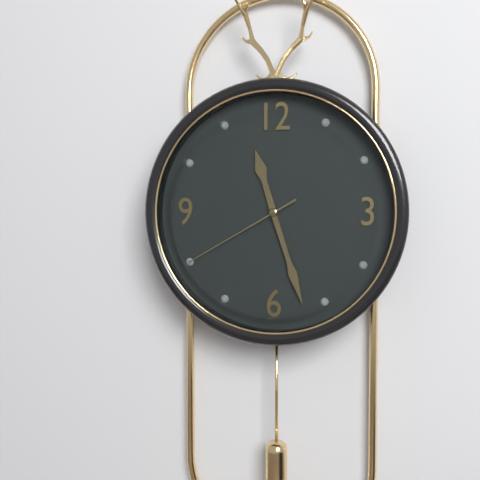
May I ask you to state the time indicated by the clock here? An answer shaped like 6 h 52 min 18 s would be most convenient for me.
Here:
11 h 27 min 40 s
